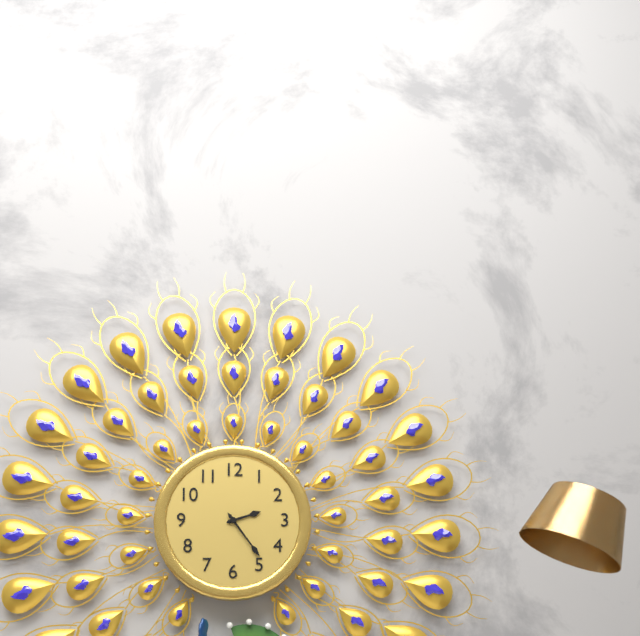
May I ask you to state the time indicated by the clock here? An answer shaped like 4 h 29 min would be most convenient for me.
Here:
2 h 24 min
